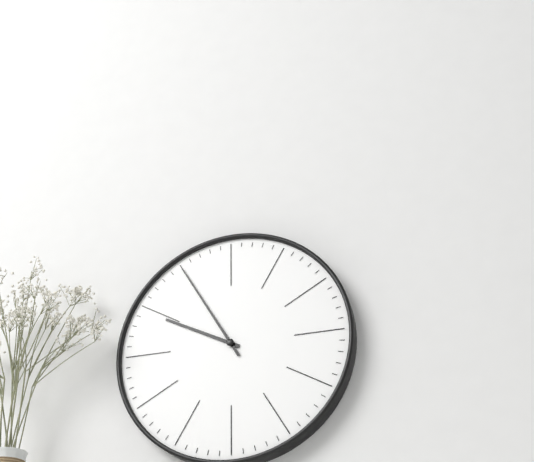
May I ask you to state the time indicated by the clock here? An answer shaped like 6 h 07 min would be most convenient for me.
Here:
9 h 55 min
